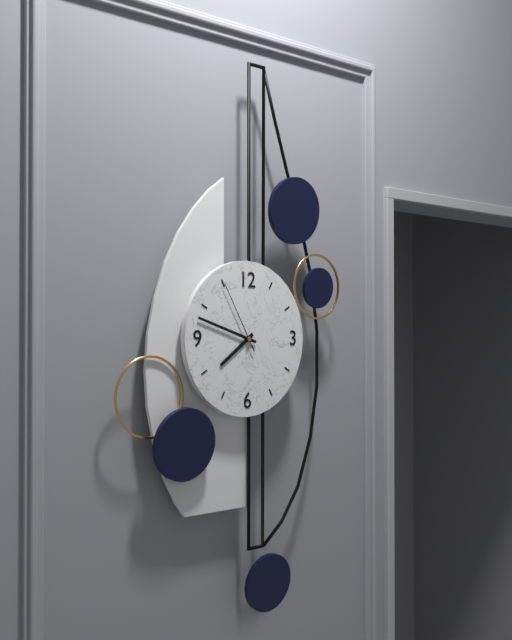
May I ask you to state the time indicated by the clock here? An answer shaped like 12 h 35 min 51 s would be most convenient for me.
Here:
7 h 48 min 55 s
